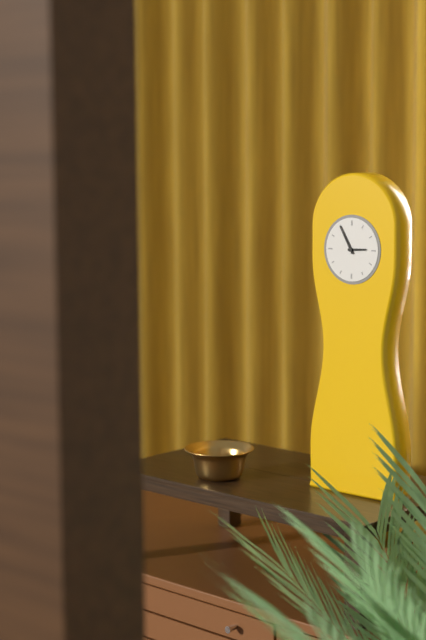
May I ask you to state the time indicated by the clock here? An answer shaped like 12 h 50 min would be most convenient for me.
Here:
2 h 55 min
